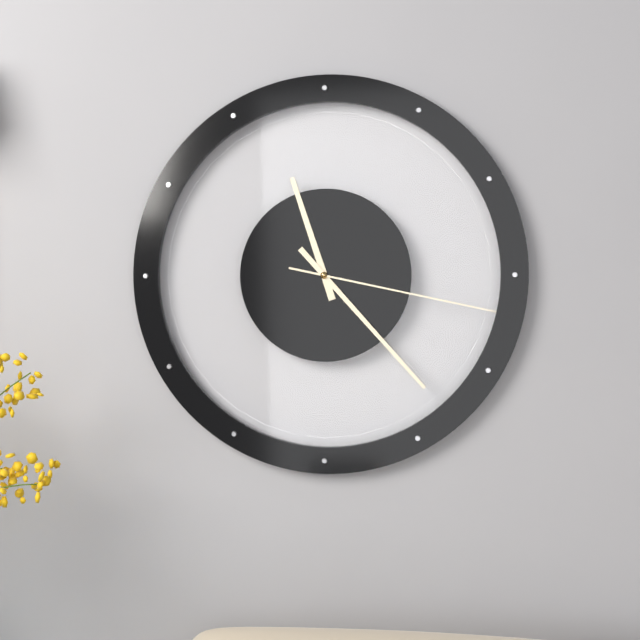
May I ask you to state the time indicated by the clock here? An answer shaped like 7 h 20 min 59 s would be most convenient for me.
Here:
11 h 23 min 17 s
